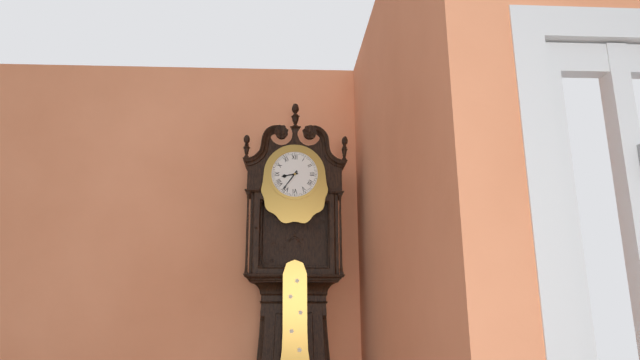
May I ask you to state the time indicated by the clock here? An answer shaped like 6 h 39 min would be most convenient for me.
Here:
8 h 36 min
